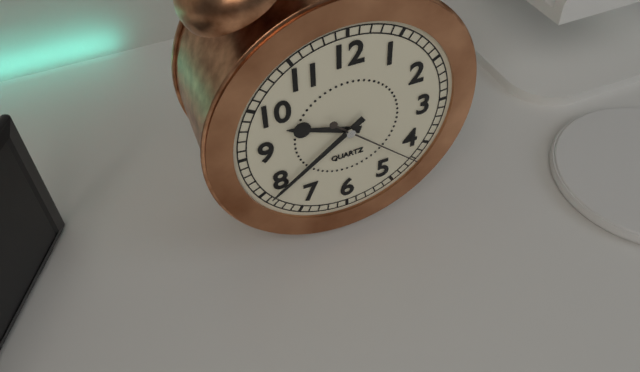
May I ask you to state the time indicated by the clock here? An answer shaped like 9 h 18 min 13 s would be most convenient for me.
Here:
9 h 39 min 22 s
